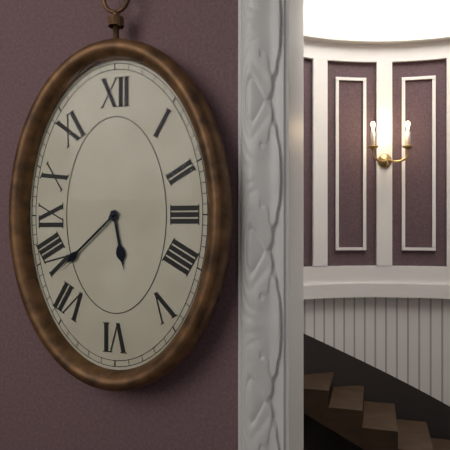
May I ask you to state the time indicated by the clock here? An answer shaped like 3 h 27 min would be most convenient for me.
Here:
5 h 38 min
